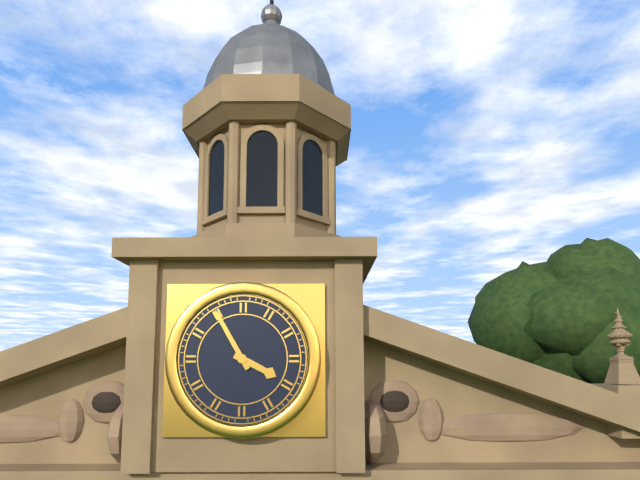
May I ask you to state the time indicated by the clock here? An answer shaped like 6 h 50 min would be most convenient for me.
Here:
3 h 55 min
